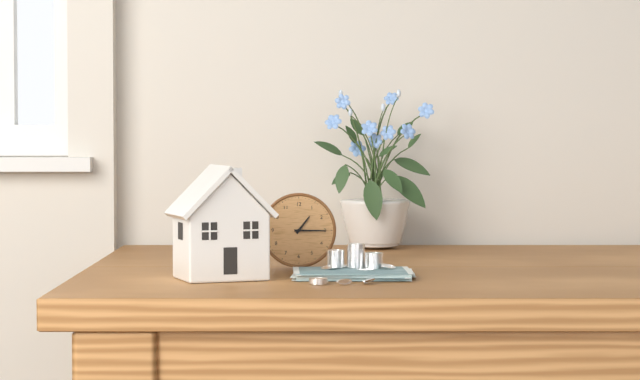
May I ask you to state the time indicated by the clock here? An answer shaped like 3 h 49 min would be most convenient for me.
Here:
1 h 15 min
